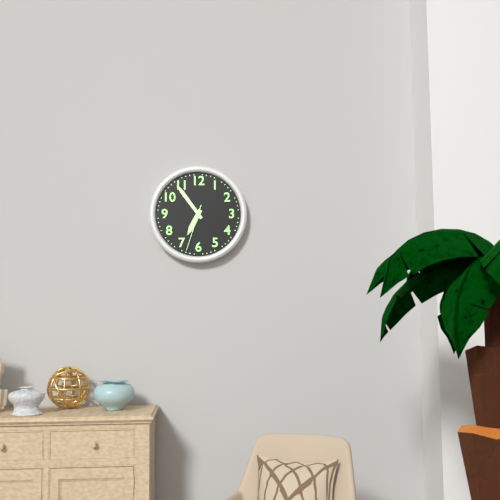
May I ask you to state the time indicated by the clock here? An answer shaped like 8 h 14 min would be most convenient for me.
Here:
6 h 54 min
